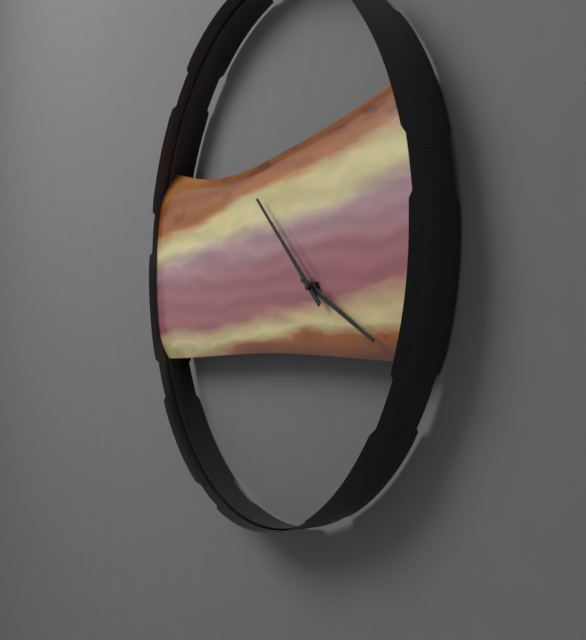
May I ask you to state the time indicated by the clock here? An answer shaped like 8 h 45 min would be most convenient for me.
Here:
3 h 52 min
